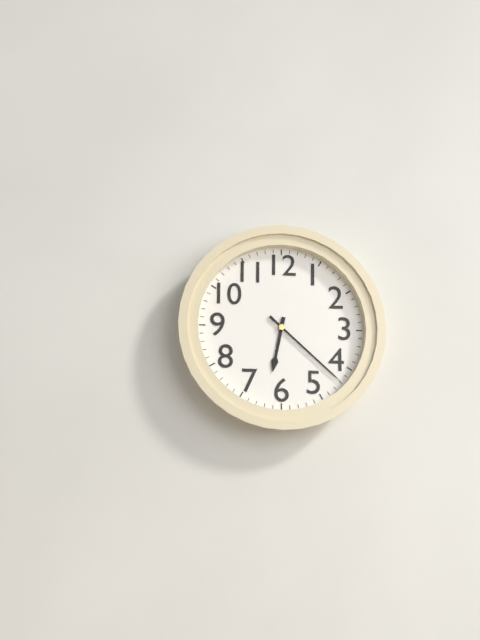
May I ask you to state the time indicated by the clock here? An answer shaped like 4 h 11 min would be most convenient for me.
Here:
6 h 22 min
